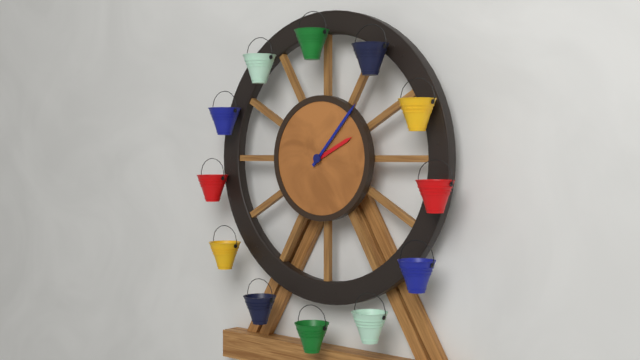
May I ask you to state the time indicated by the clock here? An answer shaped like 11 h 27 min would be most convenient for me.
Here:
2 h 07 min
